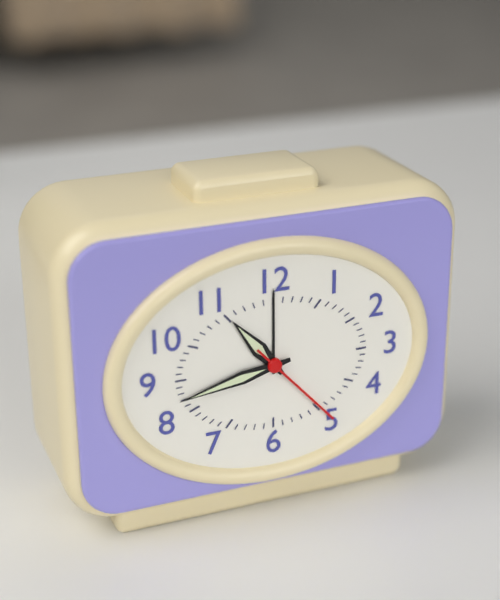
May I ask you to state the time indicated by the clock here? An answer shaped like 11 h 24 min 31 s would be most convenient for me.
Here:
10 h 43 min 23 s
